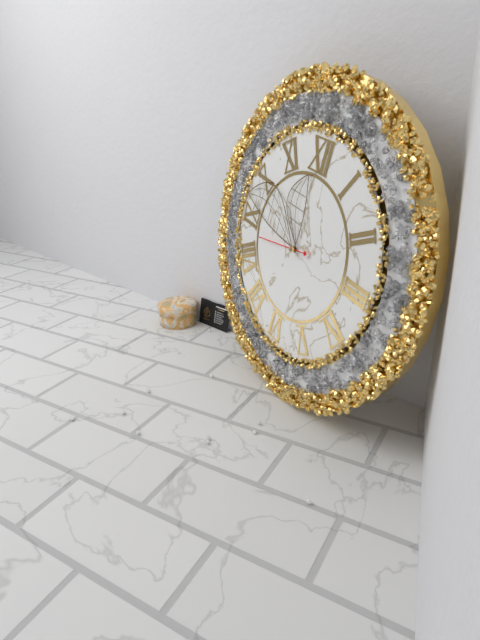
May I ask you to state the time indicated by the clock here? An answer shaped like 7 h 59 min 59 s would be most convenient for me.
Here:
11 h 47 min 43 s
